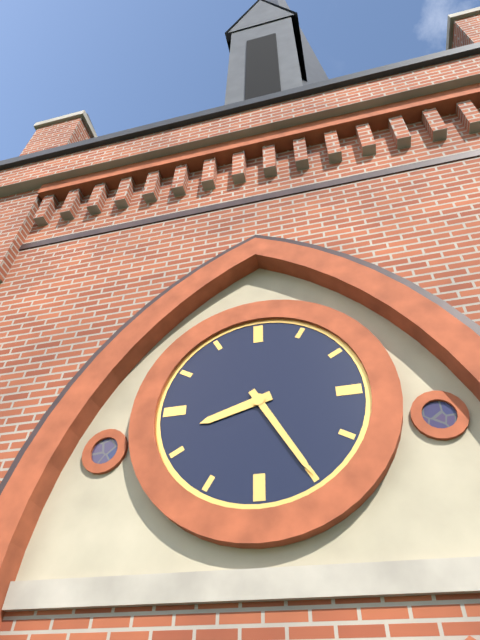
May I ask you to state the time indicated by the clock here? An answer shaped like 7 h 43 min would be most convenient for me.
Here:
8 h 25 min
